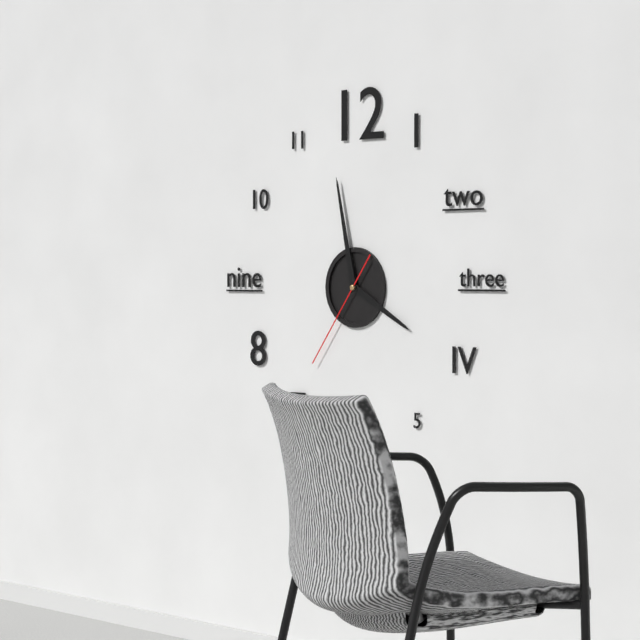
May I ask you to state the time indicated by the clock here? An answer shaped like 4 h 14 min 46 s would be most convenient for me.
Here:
3 h 58 min 36 s
